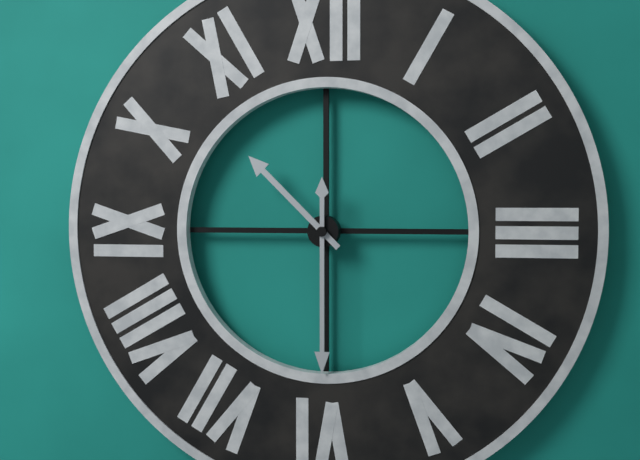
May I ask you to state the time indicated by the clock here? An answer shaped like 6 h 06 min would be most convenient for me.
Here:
10 h 30 min
